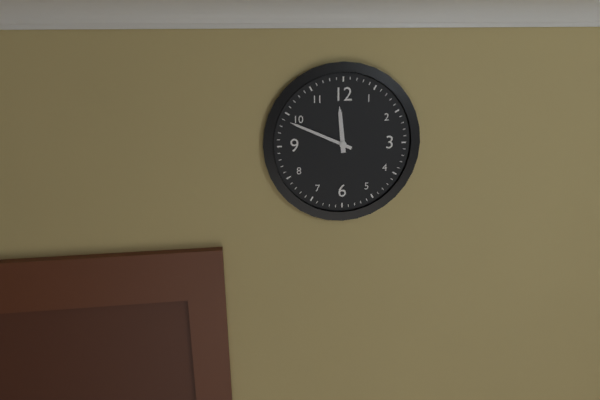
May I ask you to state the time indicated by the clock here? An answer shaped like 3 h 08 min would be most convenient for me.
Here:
11 h 49 min
